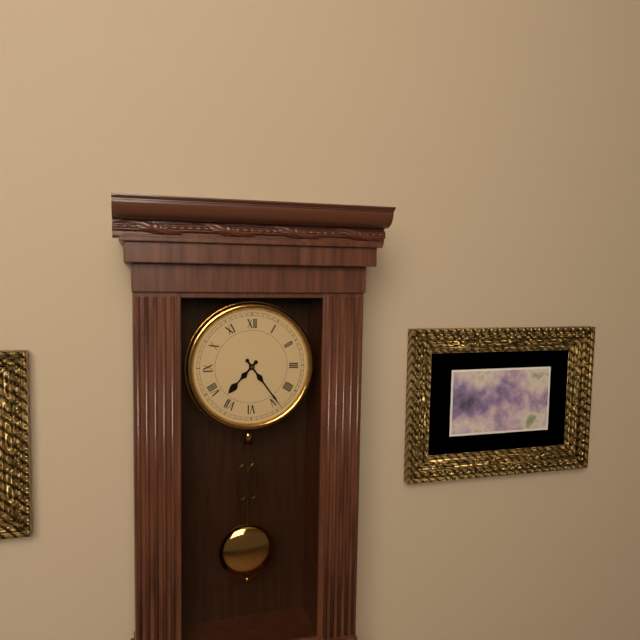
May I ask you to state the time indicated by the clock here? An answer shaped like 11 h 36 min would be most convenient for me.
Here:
7 h 24 min
